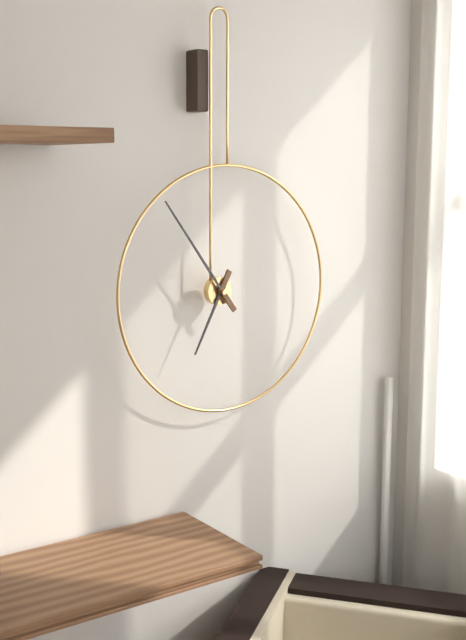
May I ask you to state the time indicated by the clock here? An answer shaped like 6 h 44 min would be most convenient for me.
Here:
6 h 54 min
